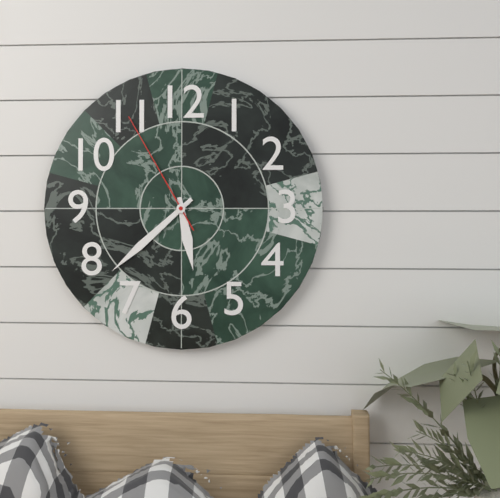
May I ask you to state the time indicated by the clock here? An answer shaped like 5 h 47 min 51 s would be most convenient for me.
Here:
5 h 38 min 55 s
